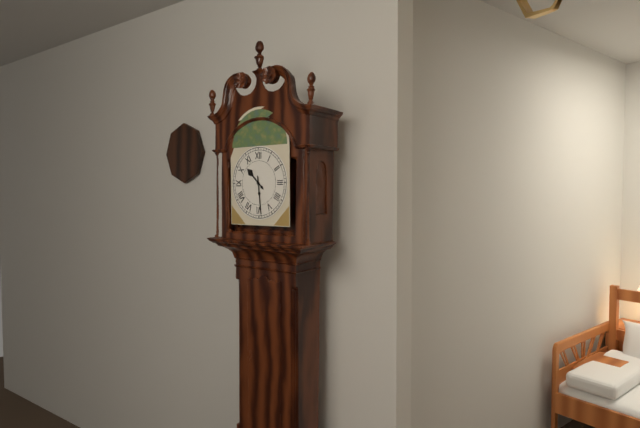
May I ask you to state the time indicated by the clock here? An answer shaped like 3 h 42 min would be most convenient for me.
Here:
10 h 29 min
